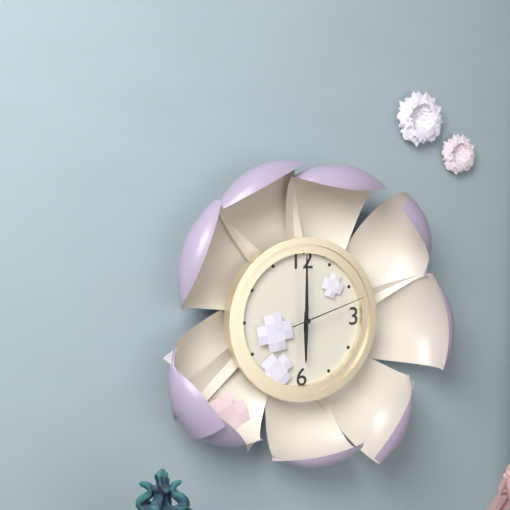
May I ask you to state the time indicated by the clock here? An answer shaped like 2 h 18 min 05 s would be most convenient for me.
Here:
6 h 00 min 12 s
